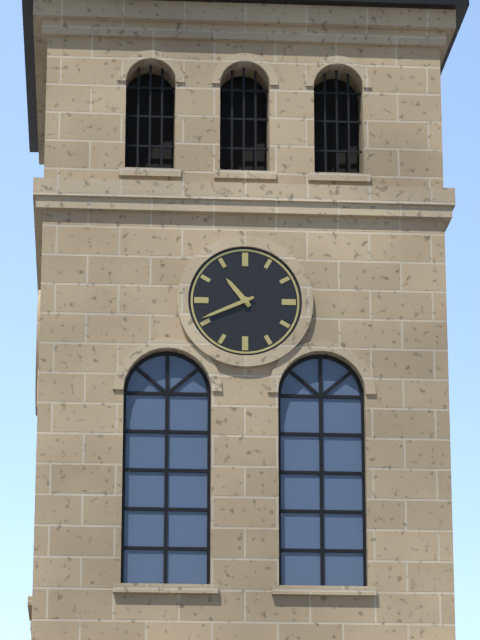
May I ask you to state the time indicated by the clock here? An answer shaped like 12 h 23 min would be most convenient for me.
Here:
10 h 41 min
